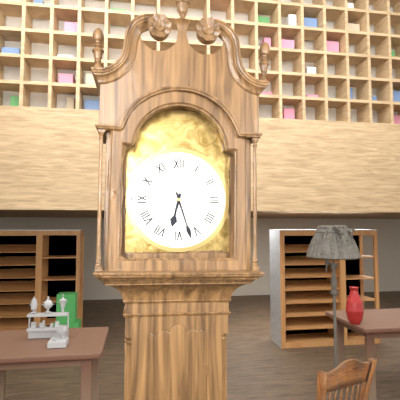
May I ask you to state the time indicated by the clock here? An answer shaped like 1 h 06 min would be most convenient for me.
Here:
6 h 27 min
